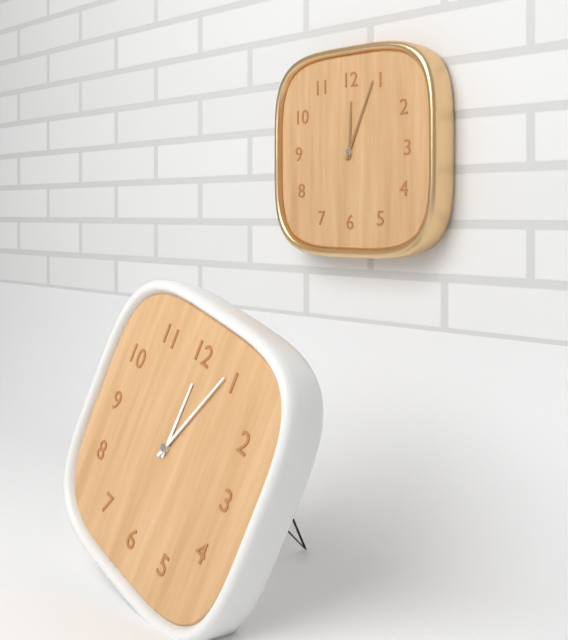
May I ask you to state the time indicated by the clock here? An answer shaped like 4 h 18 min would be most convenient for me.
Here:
12 h 04 min
